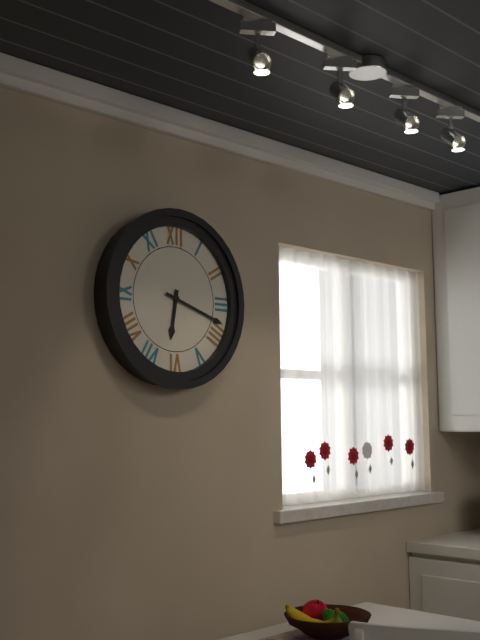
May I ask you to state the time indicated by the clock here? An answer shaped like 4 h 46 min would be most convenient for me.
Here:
6 h 18 min
